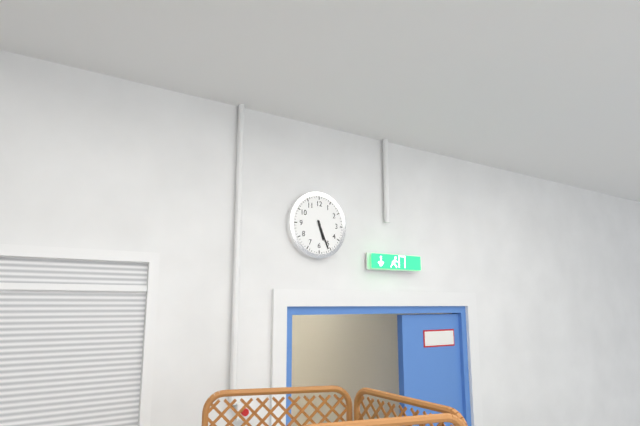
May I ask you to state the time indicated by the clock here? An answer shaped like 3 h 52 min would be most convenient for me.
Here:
5 h 26 min
